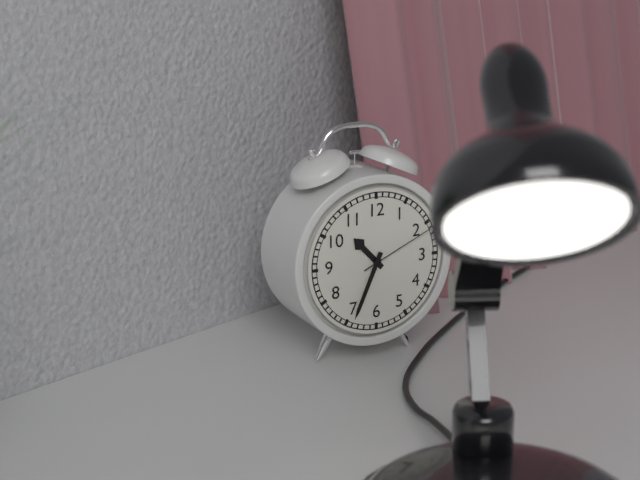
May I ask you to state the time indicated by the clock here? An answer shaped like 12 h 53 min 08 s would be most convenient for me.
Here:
10 h 34 min 11 s
